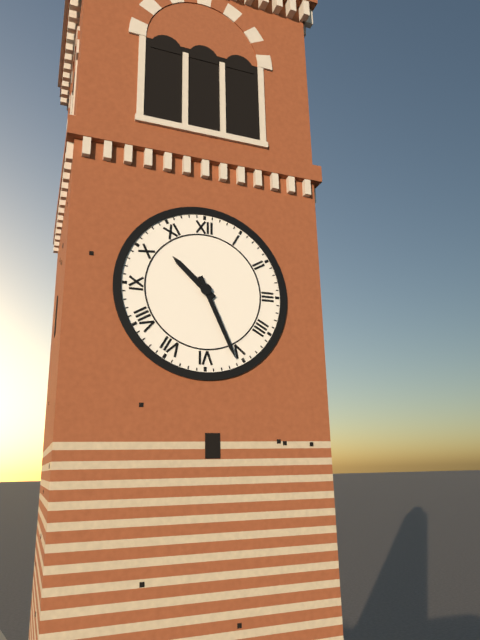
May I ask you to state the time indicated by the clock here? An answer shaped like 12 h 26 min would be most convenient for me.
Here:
10 h 26 min
